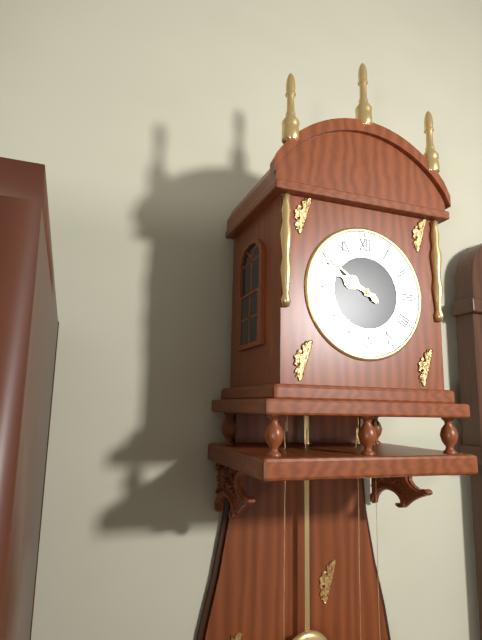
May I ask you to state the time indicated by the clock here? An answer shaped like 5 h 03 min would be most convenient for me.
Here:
9 h 51 min
